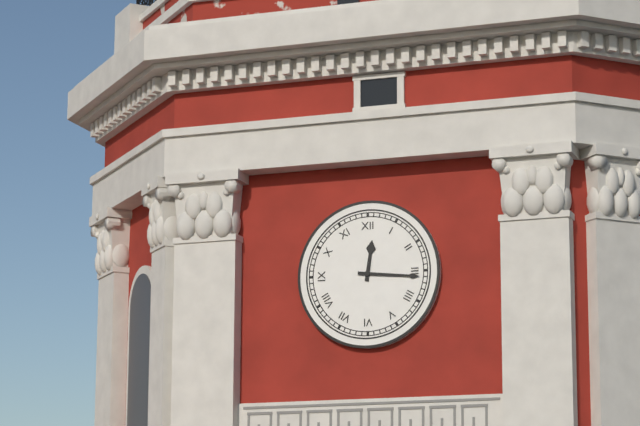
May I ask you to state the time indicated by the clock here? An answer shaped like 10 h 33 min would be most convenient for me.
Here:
12 h 16 min
